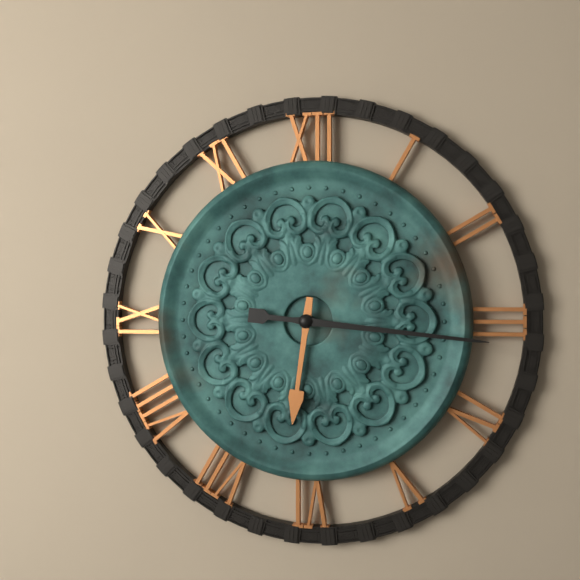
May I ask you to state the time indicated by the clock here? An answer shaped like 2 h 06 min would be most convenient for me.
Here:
6 h 16 min
